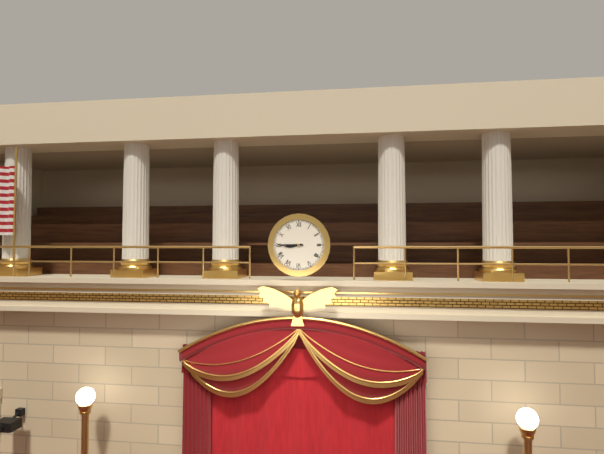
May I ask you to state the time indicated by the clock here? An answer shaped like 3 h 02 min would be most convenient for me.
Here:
8 h 45 min
